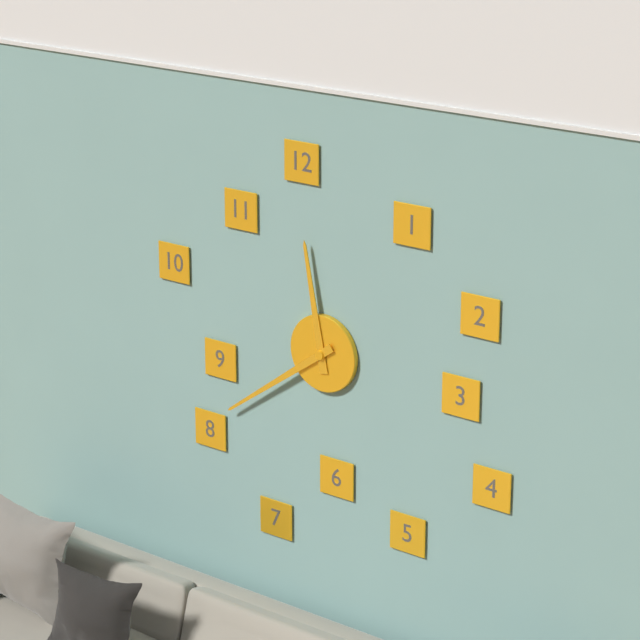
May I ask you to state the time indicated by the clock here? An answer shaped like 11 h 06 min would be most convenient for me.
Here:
11 h 39 min
